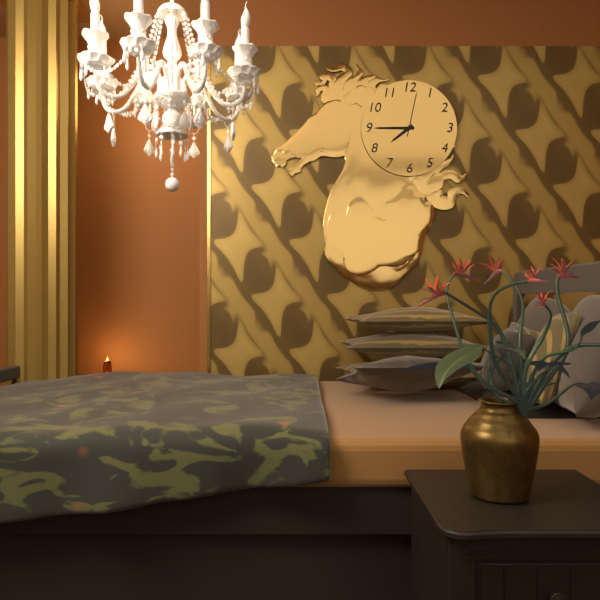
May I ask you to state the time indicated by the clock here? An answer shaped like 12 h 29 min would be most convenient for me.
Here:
7 h 45 min
